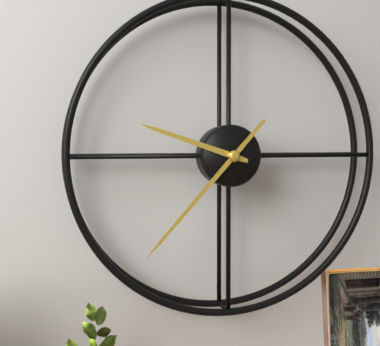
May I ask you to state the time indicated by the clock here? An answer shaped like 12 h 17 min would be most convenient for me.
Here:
9 h 37 min
